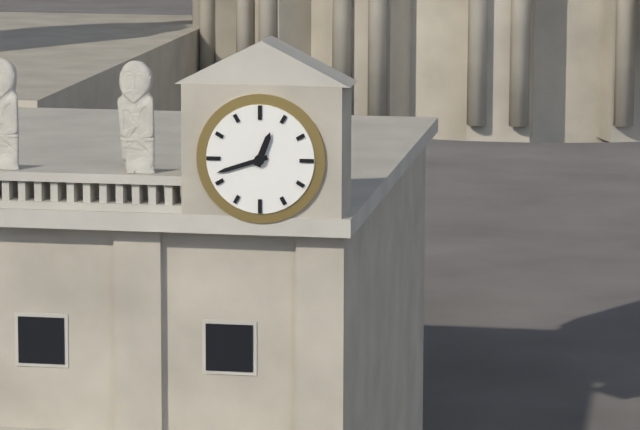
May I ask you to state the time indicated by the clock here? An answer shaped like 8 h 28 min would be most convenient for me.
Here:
12 h 42 min
